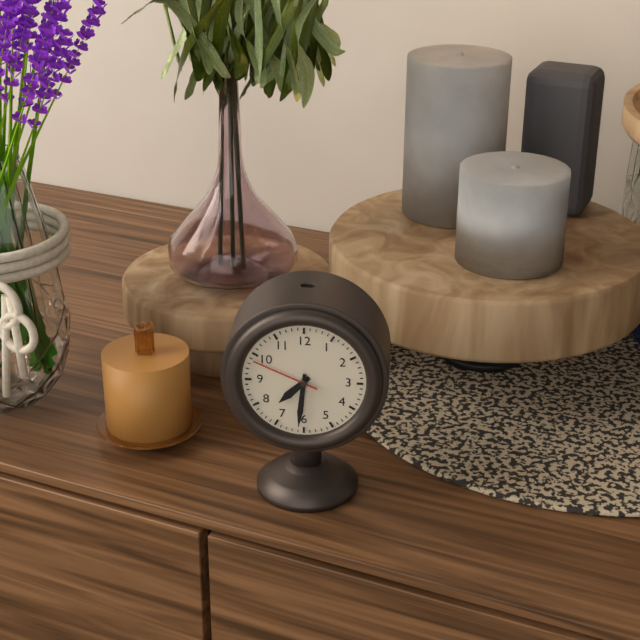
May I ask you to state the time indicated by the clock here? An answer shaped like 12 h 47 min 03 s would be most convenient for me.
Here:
7 h 31 min 49 s
